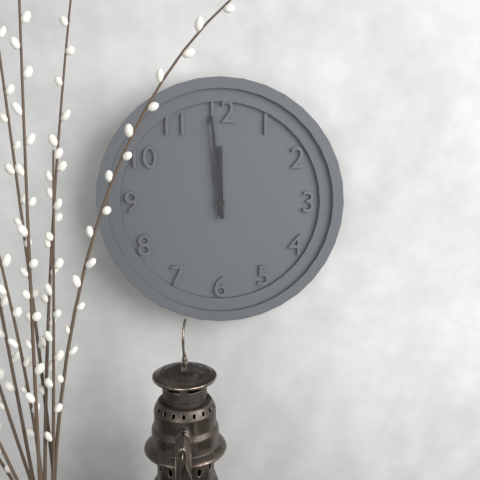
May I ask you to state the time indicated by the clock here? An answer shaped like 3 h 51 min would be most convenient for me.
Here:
11 h 59 min
